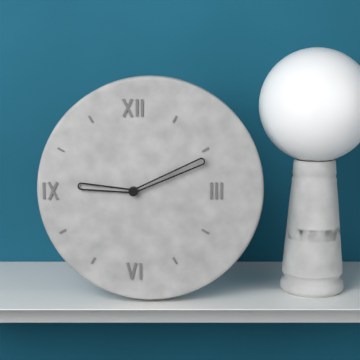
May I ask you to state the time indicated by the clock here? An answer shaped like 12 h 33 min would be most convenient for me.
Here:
9 h 11 min
